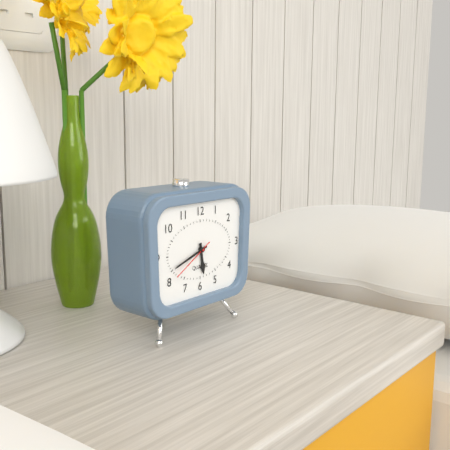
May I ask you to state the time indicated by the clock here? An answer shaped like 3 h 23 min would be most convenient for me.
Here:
5 h 42 min
